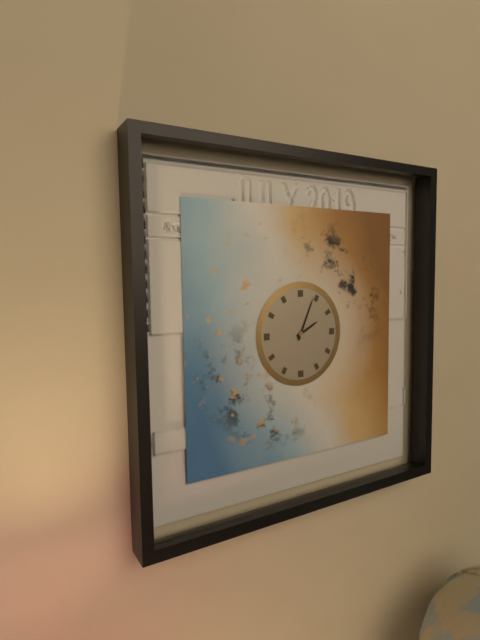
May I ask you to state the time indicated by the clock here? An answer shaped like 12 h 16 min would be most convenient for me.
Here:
2 h 04 min
